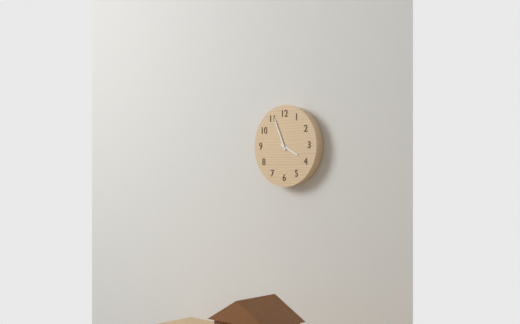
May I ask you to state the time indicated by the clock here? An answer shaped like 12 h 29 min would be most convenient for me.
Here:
3 h 56 min
